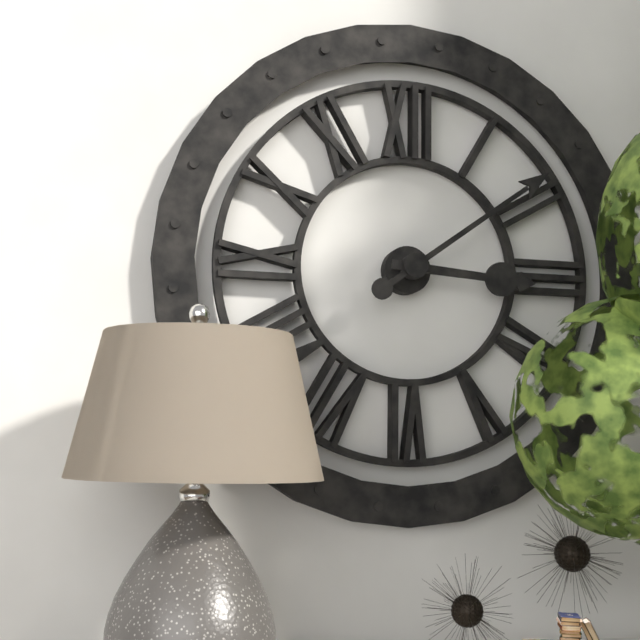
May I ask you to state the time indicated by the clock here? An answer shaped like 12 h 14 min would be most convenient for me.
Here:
3 h 09 min
